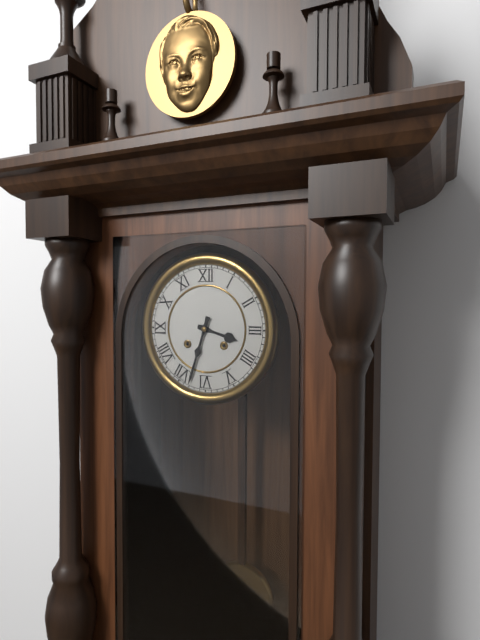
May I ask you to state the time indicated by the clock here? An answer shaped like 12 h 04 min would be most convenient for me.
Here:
3 h 33 min
